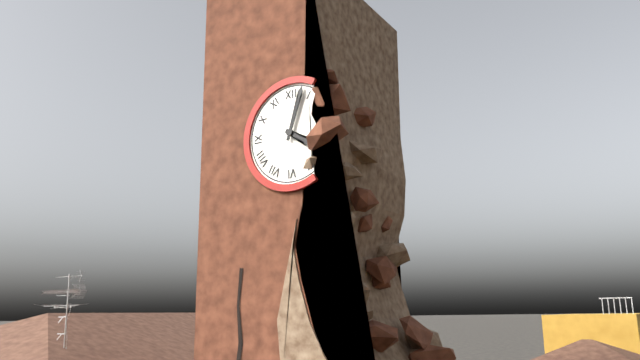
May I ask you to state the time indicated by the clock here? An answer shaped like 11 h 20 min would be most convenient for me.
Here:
4 h 03 min
